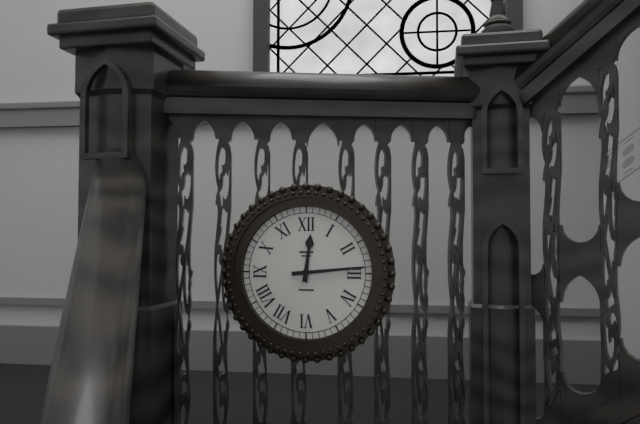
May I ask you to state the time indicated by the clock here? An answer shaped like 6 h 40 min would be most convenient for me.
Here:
12 h 14 min
